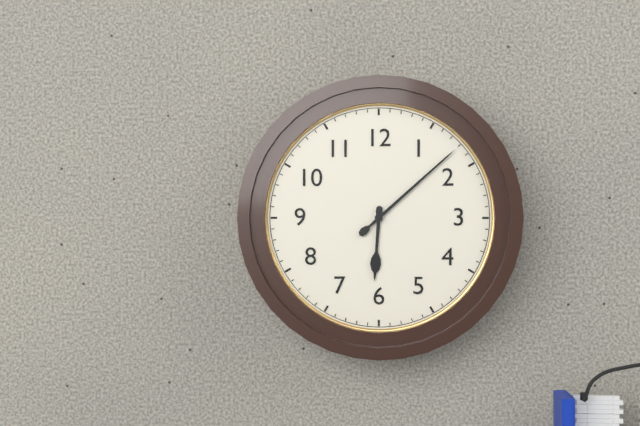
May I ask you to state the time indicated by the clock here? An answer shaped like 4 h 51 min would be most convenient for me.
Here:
6 h 08 min
